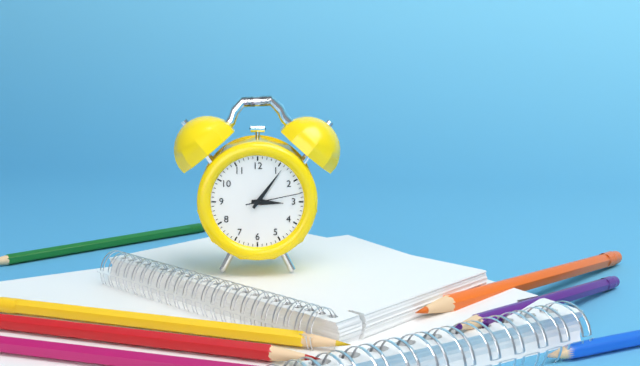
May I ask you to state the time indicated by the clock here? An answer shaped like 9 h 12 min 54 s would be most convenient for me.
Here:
3 h 06 min 13 s
